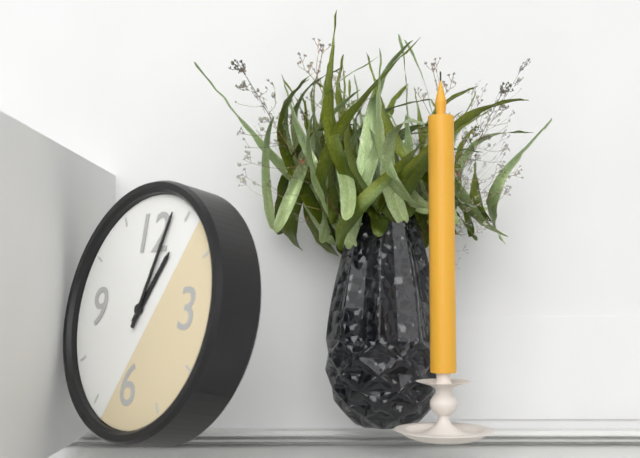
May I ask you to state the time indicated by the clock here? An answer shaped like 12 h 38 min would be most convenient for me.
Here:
1 h 03 min
